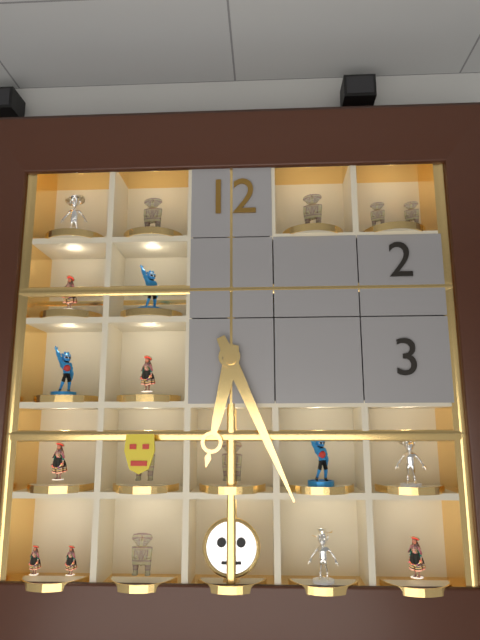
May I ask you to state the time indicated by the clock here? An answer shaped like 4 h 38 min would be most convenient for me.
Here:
6 h 26 min
